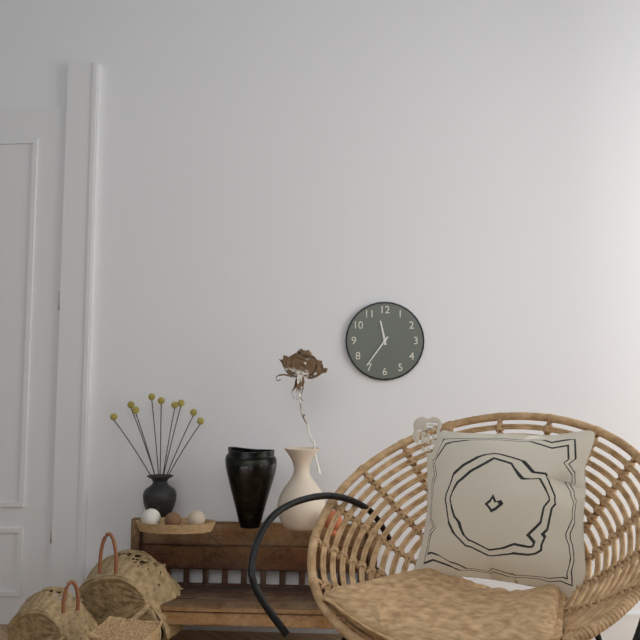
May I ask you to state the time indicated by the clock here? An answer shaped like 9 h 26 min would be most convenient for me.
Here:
11 h 36 min
